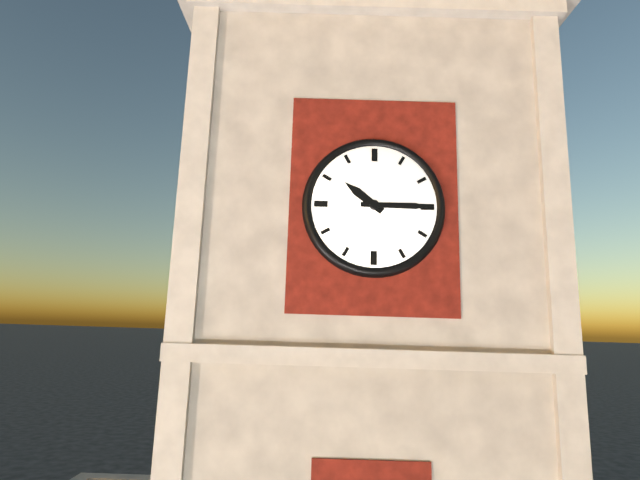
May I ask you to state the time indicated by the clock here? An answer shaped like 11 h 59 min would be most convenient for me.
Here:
10 h 15 min
